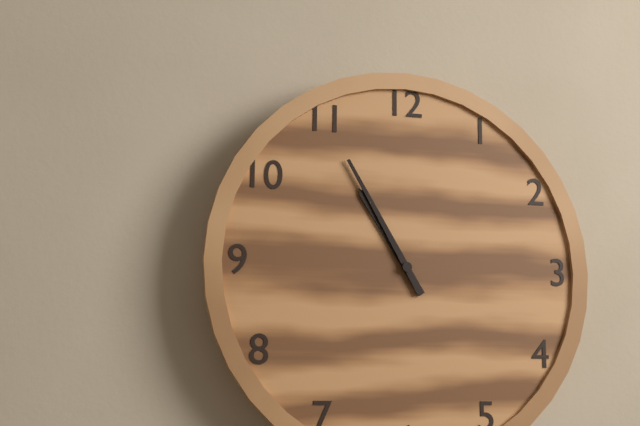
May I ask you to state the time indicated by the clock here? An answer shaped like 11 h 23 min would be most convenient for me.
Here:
10 h 55 min
